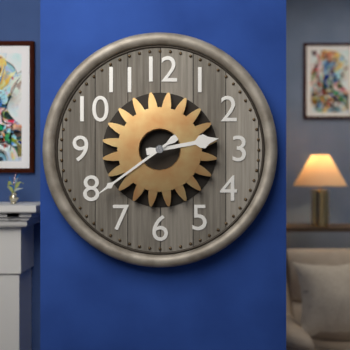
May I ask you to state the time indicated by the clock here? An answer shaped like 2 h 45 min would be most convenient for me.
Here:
2 h 39 min
